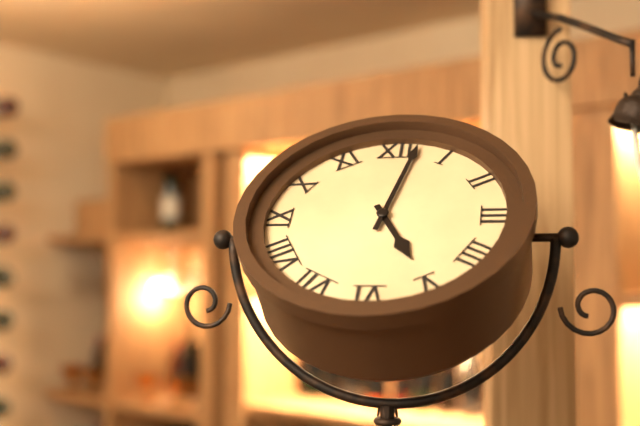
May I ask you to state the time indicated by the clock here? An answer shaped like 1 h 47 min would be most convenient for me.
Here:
5 h 02 min
